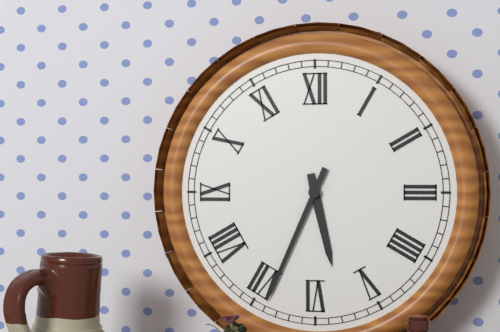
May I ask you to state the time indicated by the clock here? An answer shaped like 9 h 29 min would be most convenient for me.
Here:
5 h 34 min
